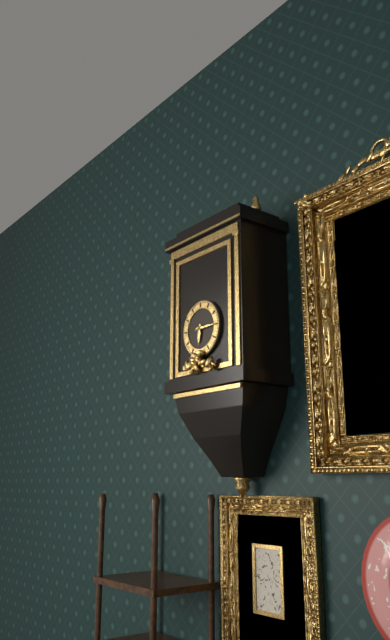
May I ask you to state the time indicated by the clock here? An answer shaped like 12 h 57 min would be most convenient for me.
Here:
6 h 15 min
